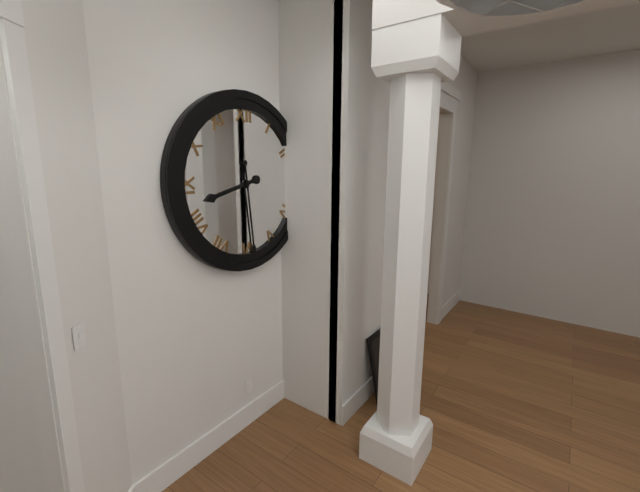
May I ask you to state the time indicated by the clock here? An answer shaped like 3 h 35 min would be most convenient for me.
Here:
8 h 29 min
